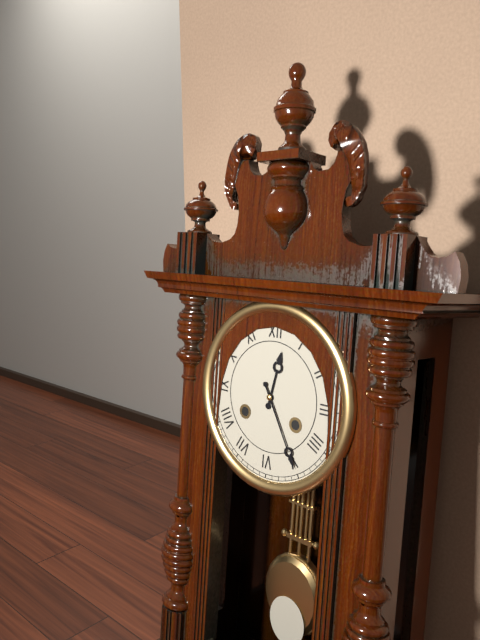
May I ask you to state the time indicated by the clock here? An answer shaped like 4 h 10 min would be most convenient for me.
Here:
12 h 25 min
